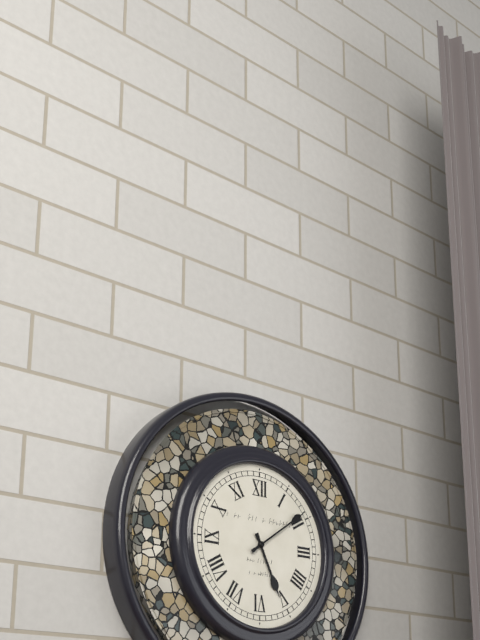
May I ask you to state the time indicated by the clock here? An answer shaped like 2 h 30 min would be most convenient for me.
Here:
5 h 09 min
